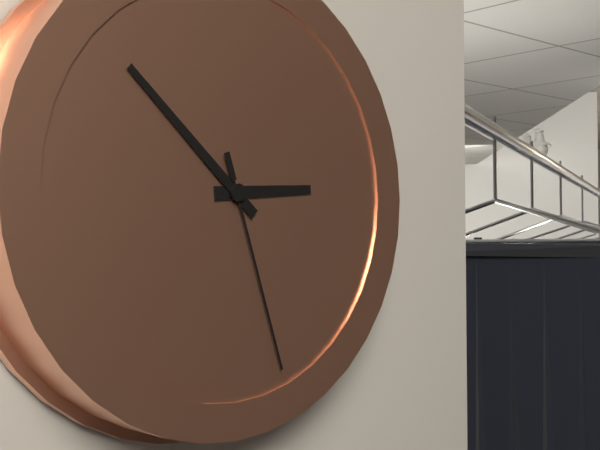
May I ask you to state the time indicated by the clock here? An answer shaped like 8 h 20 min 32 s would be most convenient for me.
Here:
2 h 52 min 27 s
